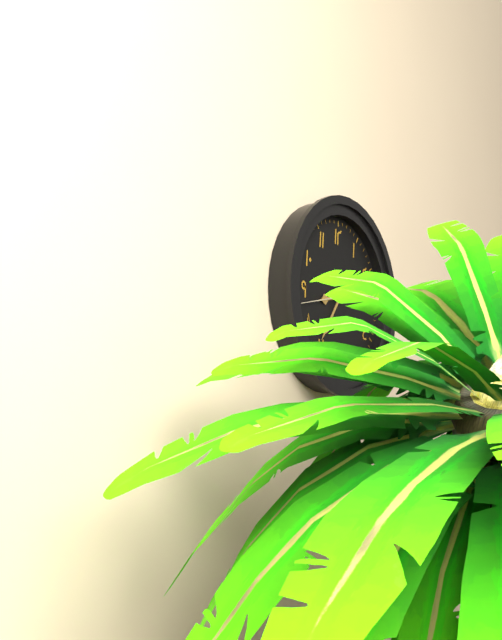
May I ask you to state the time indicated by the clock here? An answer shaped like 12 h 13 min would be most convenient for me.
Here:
8 h 36 min
